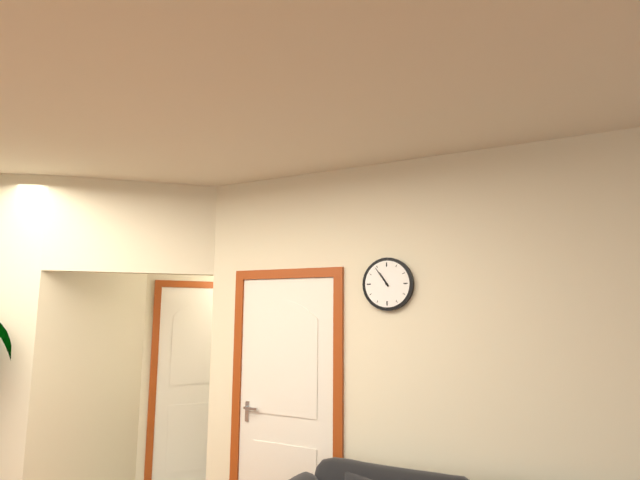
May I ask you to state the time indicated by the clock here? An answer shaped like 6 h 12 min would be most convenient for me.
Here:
10 h 54 min
